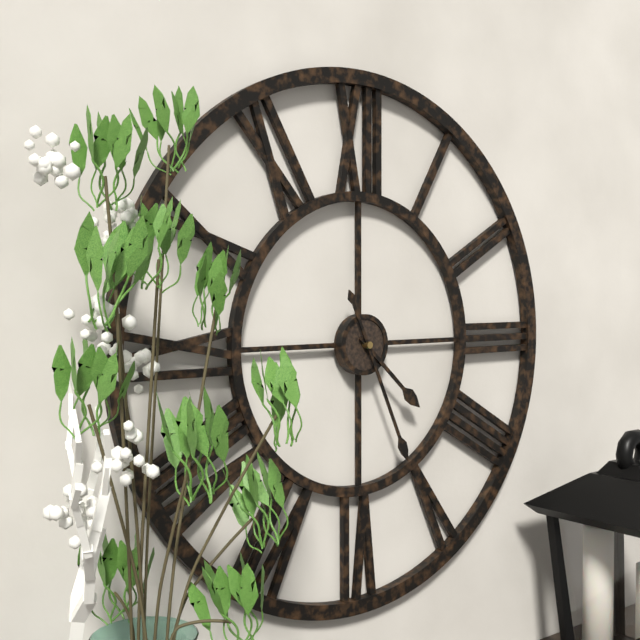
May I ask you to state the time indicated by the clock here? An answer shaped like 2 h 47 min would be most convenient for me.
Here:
4 h 26 min
